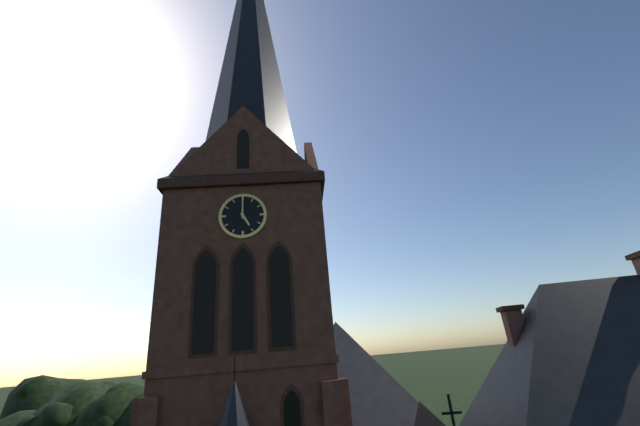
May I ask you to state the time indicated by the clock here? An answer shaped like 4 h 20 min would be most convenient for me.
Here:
5 h 00 min
